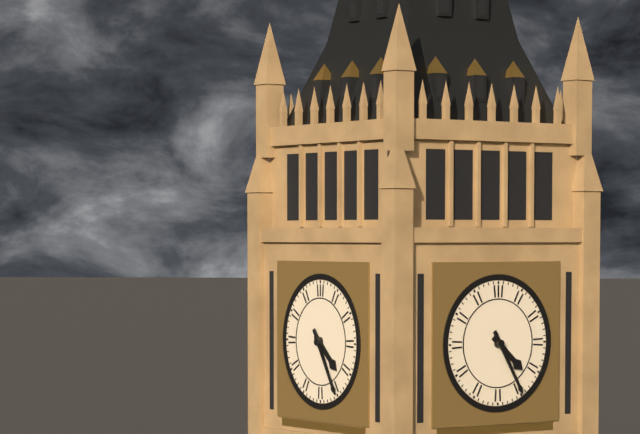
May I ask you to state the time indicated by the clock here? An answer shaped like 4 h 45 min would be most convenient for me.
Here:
4 h 25 min
